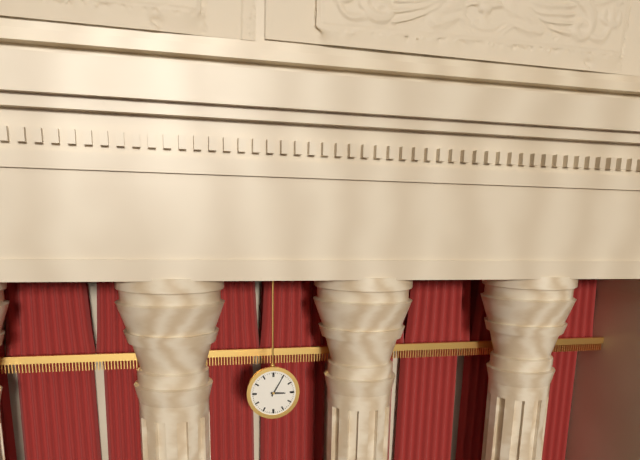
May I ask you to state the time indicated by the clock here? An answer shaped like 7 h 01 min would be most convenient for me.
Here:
3 h 05 min
